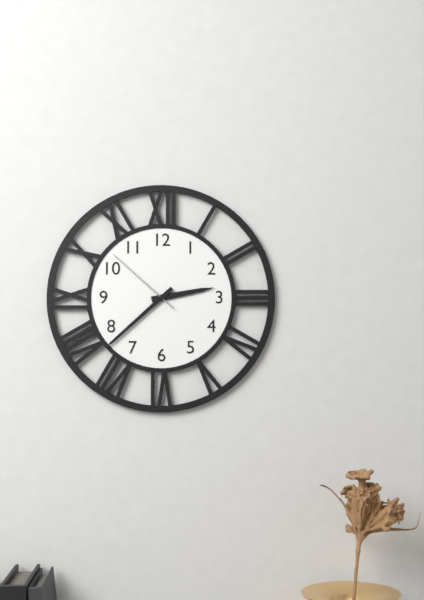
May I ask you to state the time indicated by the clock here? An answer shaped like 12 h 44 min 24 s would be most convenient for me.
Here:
2 h 38 min 52 s
